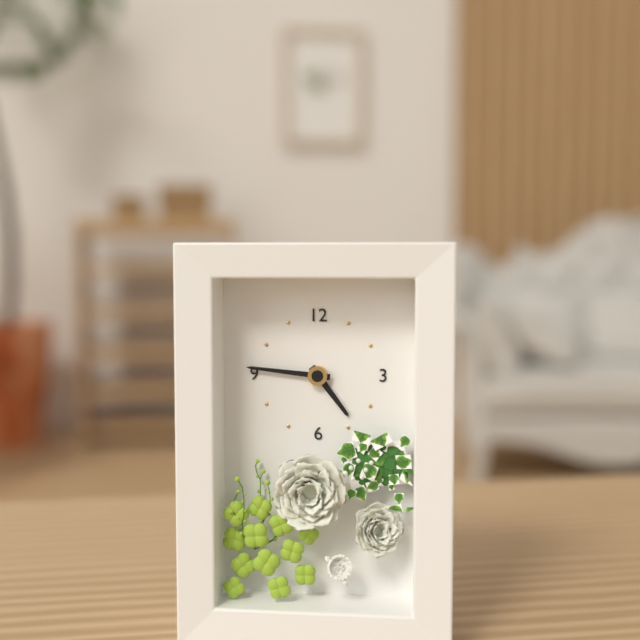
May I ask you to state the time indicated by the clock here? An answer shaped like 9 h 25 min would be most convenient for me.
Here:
4 h 46 min
